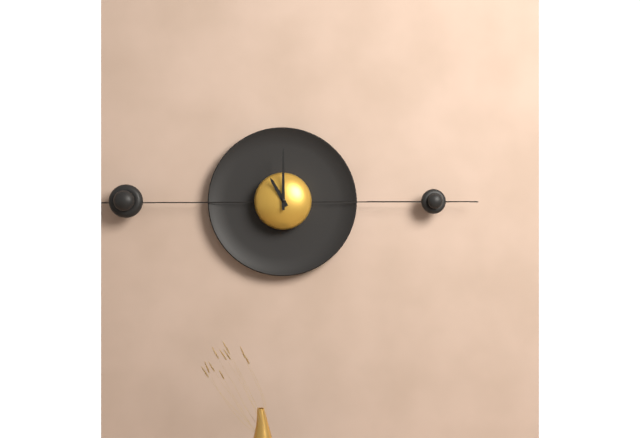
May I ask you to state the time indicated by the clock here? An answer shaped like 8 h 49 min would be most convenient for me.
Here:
11 h 00 min
